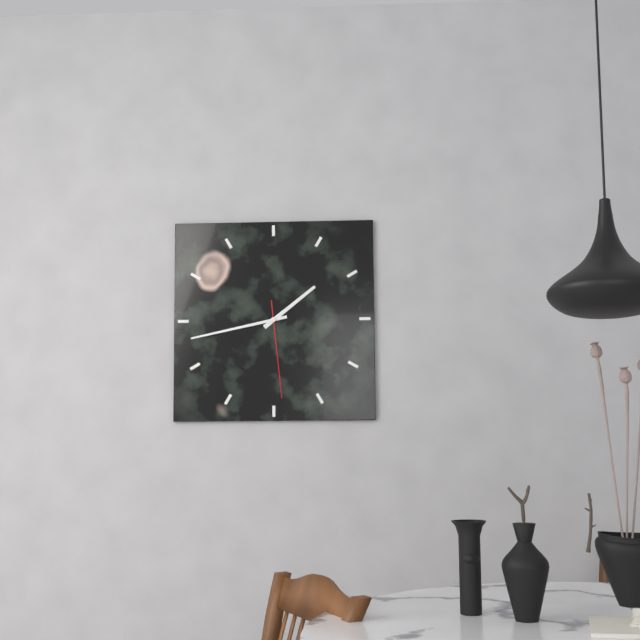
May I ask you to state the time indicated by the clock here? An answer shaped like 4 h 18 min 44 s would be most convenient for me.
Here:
1 h 43 min 29 s
